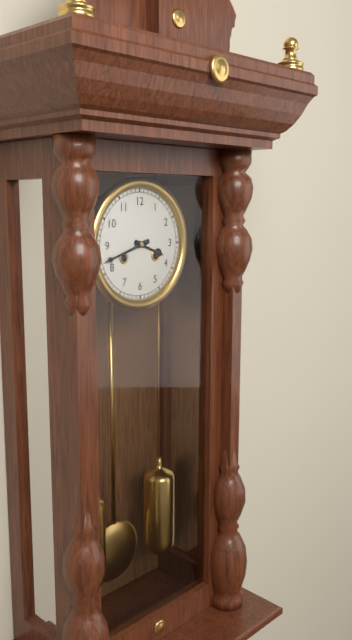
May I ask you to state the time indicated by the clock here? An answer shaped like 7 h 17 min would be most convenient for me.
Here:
3 h 42 min
